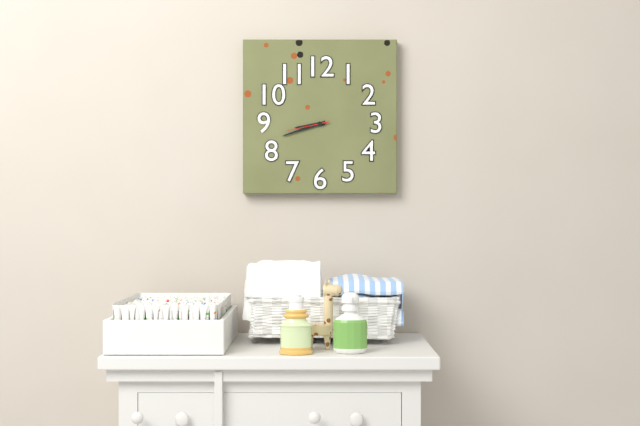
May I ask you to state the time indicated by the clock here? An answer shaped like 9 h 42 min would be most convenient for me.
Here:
8 h 42 min
